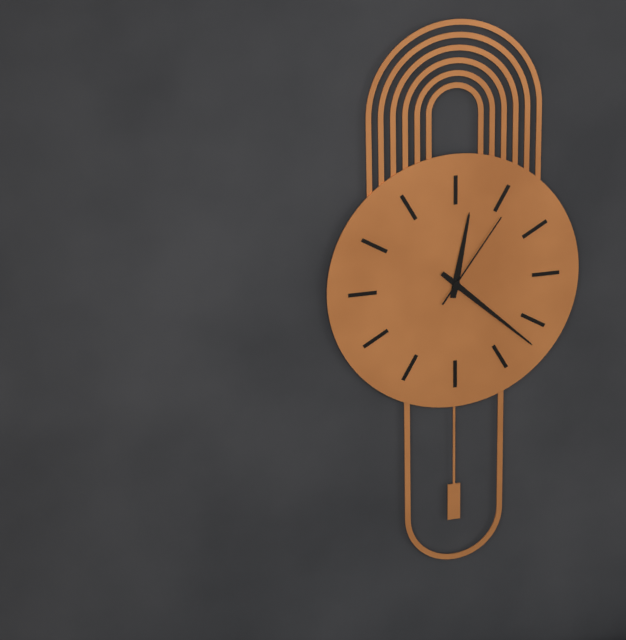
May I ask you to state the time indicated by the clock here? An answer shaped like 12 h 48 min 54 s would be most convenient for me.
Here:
12 h 22 min 06 s
